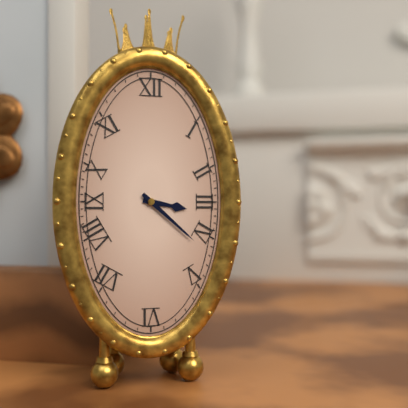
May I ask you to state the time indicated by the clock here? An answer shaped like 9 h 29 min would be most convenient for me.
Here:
3 h 22 min
